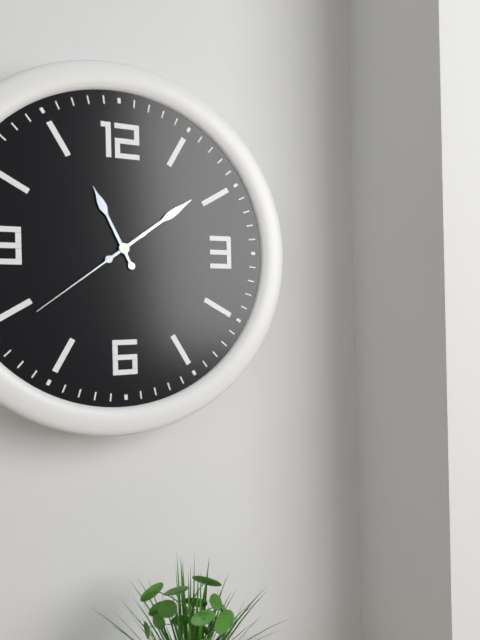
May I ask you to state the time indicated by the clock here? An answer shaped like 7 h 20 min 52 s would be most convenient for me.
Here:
11 h 09 min 39 s
